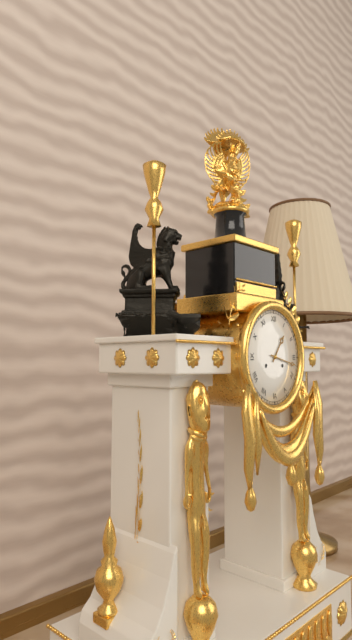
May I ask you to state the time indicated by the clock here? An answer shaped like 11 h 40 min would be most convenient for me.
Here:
1 h 17 min
